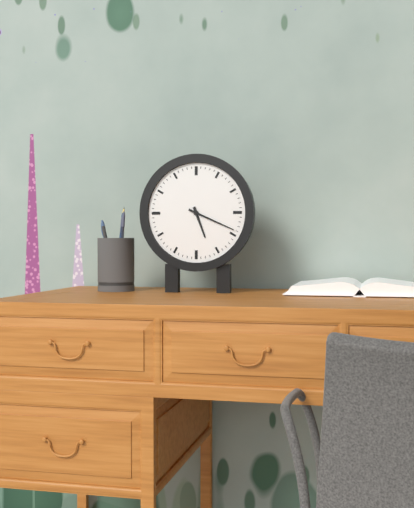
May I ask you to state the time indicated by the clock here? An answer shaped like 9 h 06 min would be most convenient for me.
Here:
5 h 19 min
